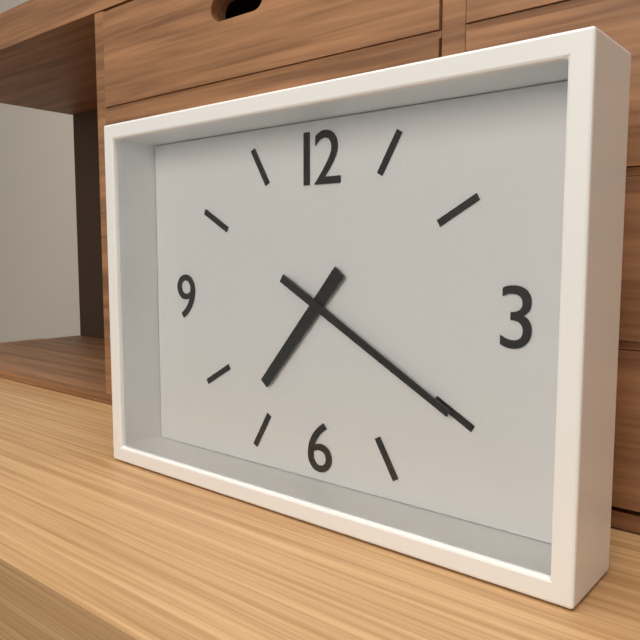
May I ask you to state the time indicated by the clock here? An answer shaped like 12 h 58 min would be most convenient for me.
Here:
7 h 20 min
